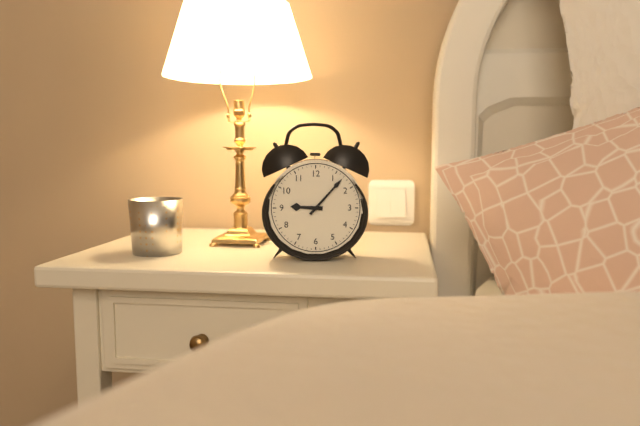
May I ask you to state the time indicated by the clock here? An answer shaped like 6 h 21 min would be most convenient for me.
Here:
9 h 07 min
